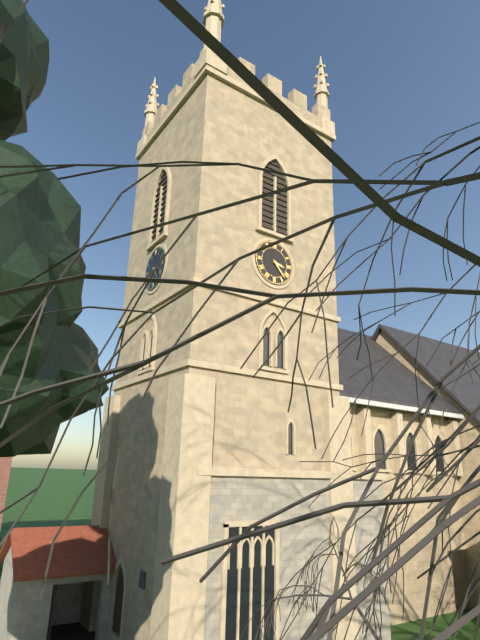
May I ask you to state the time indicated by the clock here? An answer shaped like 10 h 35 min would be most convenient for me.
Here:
3 h 23 min
